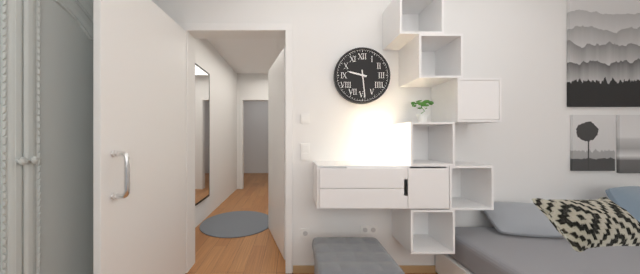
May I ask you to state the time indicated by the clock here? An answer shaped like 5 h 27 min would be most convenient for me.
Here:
9 h 29 min
